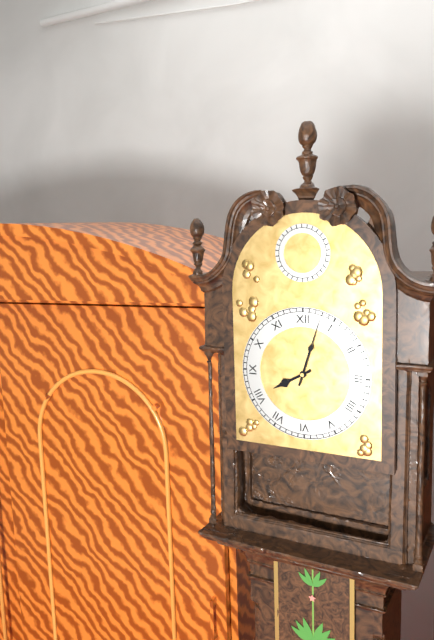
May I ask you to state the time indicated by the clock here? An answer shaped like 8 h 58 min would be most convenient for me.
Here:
8 h 03 min
